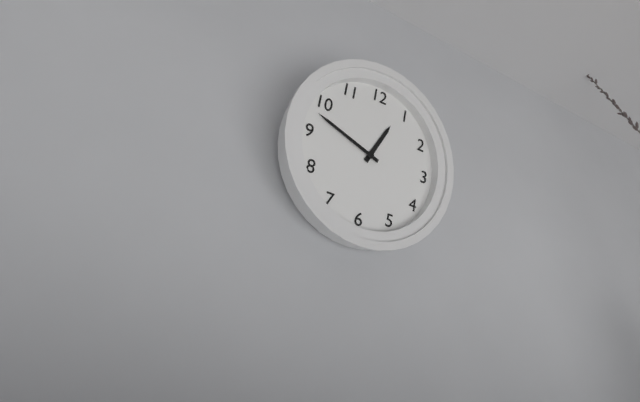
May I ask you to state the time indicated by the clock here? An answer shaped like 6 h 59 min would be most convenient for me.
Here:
12 h 48 min
